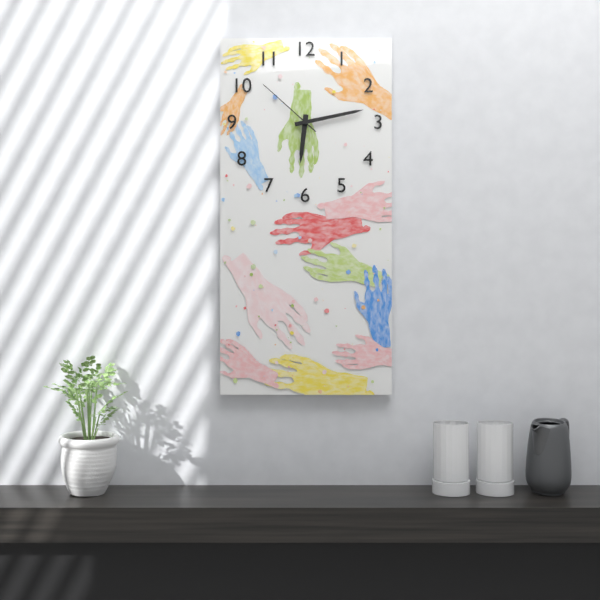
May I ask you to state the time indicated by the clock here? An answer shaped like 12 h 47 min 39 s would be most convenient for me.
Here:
6 h 13 min 52 s
